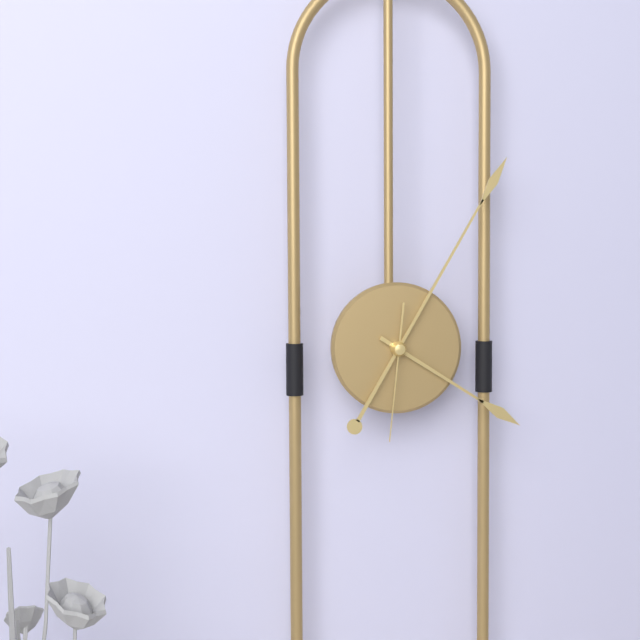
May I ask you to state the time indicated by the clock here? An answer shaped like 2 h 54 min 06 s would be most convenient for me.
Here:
4 h 05 min 31 s
